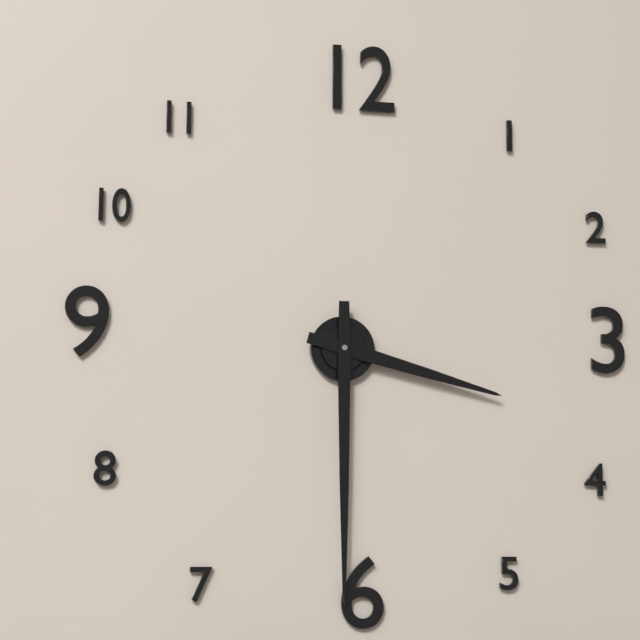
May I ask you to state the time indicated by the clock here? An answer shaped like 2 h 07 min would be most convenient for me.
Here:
3 h 30 min
